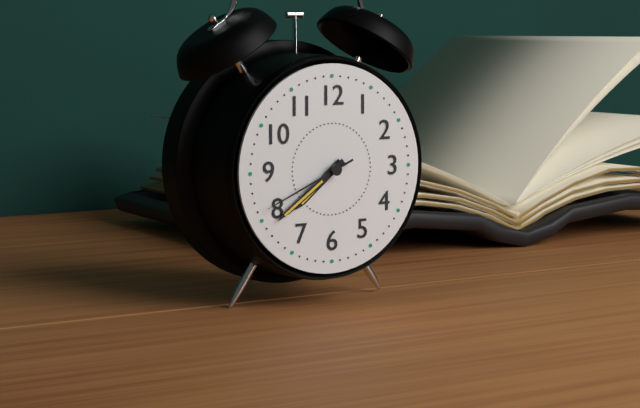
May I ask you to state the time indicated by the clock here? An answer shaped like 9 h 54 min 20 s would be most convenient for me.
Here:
7 h 39 min 41 s
